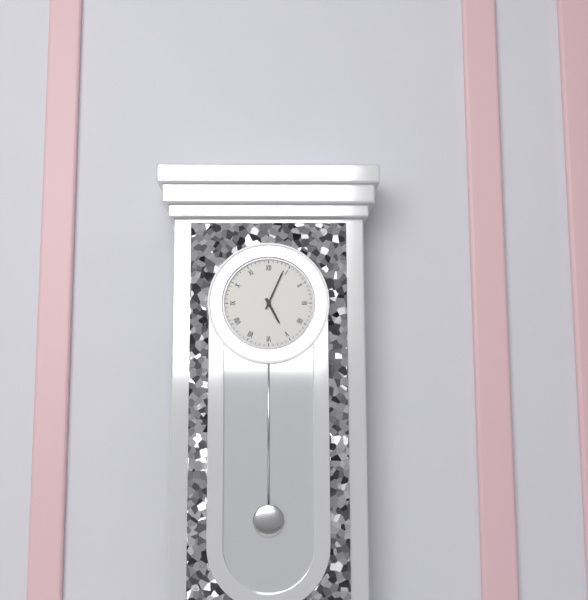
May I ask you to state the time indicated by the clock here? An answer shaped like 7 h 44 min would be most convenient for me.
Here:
5 h 04 min
